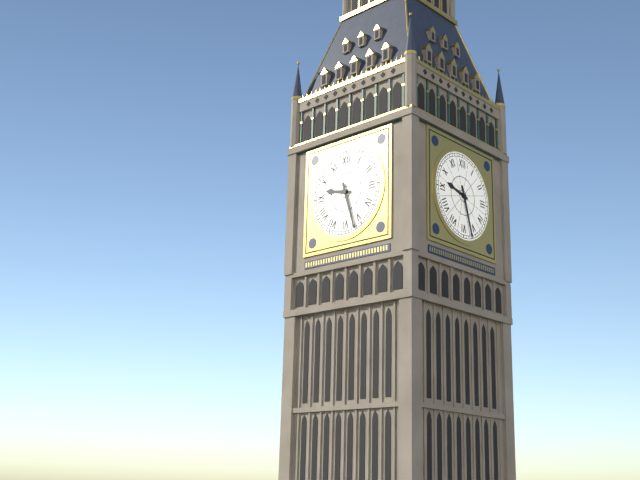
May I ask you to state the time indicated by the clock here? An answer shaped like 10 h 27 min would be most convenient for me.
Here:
9 h 27 min
